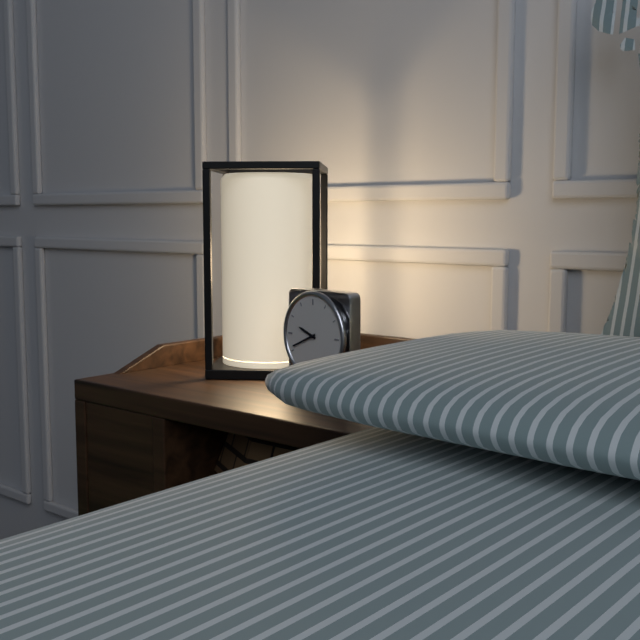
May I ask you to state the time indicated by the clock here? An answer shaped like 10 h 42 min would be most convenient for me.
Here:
9 h 41 min
